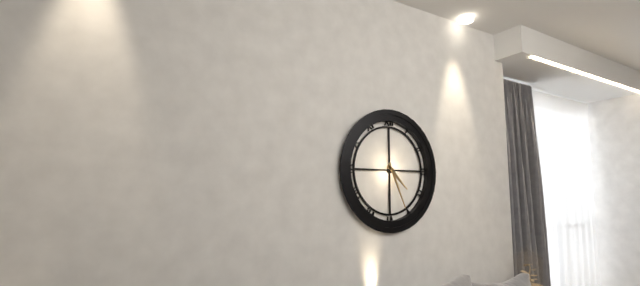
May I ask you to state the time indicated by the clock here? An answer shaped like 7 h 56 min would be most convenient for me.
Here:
4 h 26 min
